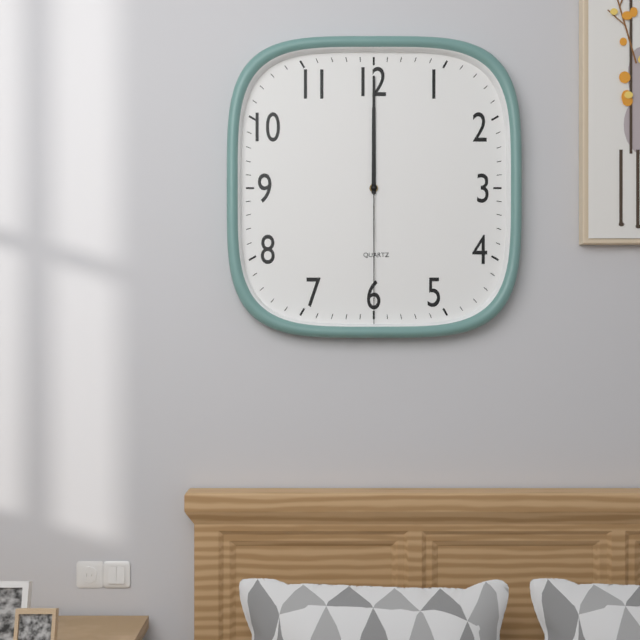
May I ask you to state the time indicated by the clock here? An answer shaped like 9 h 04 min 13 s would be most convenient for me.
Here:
12 h 00 min 30 s
